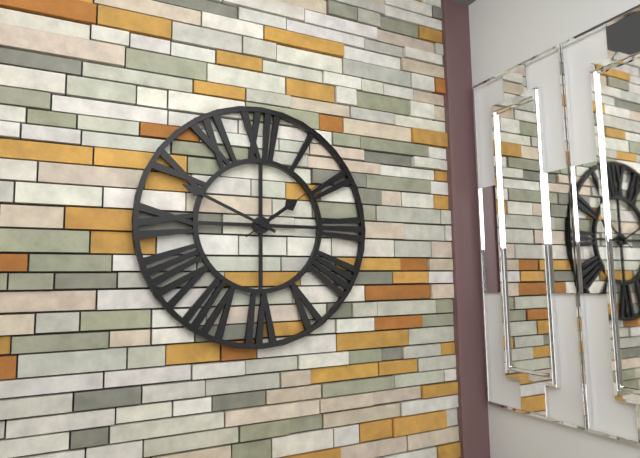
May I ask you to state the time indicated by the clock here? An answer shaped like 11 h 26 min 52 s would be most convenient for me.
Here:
1 h 49 min 09 s
